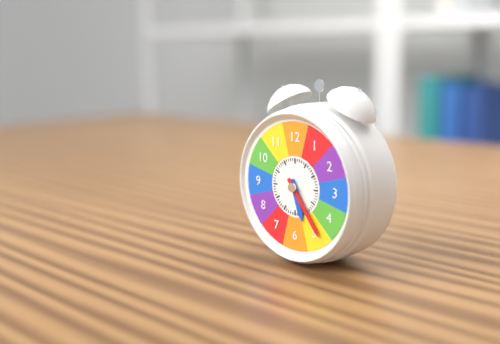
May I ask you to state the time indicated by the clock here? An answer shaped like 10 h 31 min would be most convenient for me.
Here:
5 h 24 min
